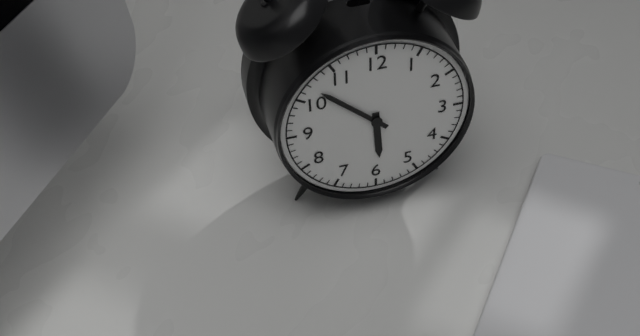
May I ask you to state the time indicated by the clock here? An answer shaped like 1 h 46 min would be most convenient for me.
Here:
5 h 52 min
